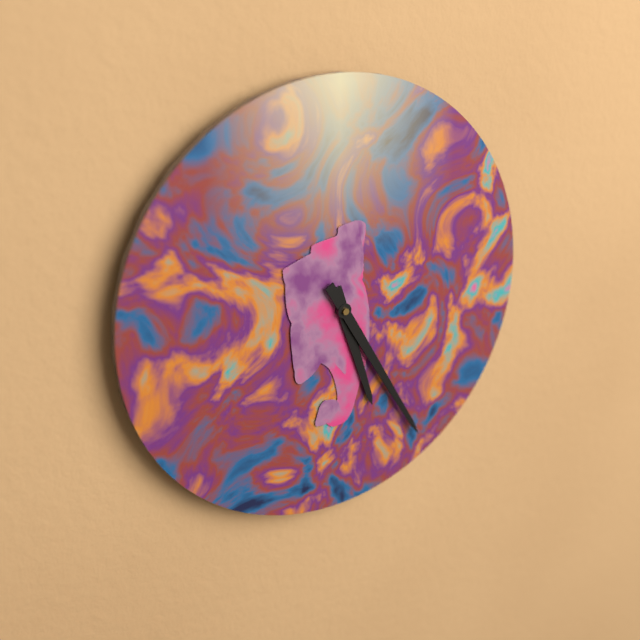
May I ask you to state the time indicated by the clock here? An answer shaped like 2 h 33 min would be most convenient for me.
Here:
5 h 25 min
